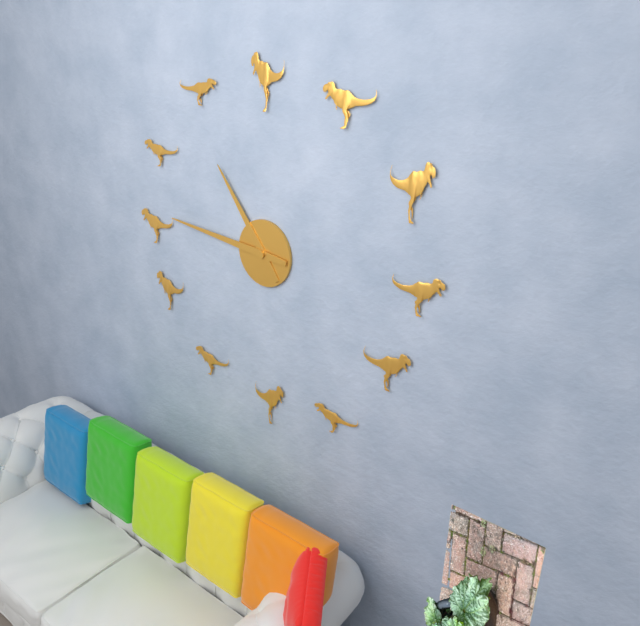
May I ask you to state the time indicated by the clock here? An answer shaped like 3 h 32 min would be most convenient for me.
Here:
10 h 46 min
